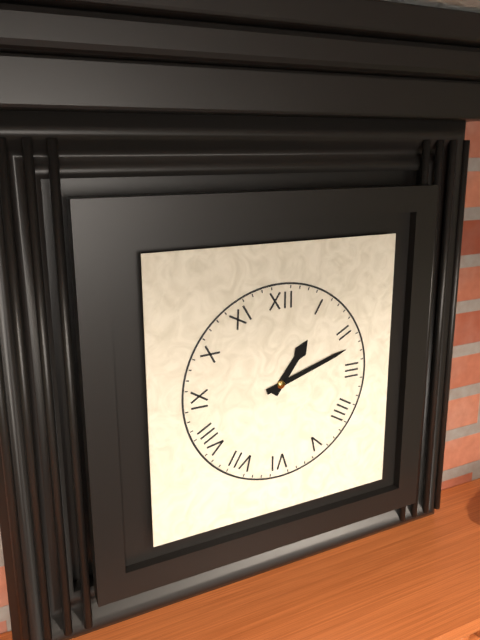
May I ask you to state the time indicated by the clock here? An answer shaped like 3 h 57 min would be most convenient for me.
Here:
1 h 12 min
